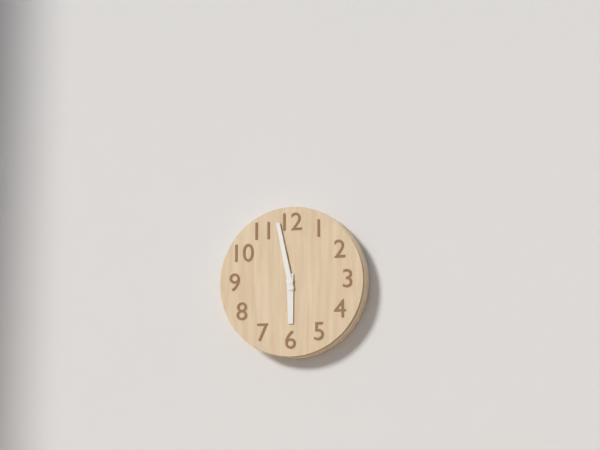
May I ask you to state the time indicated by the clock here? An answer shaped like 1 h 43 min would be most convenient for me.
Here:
5 h 58 min
